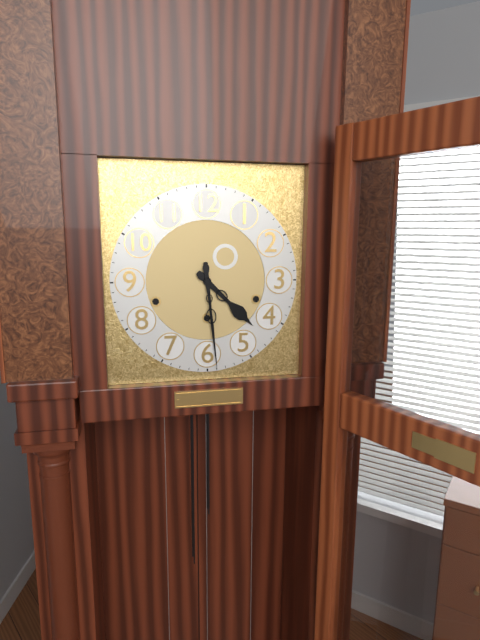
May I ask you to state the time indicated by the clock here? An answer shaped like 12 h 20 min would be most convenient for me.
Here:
4 h 29 min
